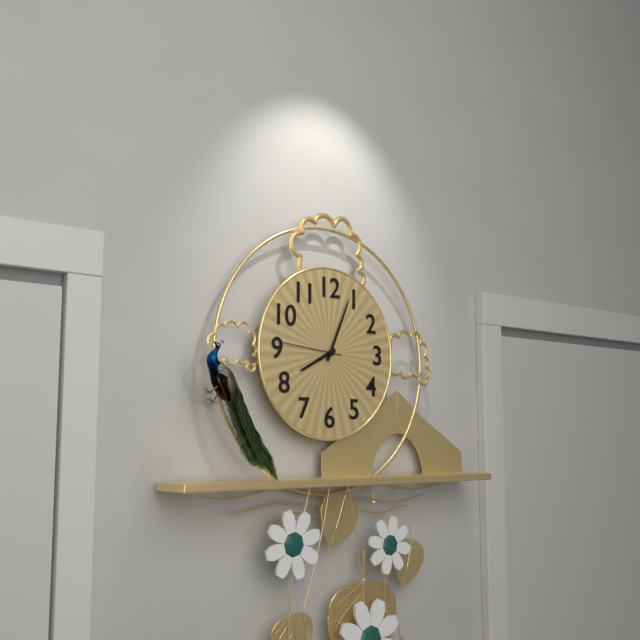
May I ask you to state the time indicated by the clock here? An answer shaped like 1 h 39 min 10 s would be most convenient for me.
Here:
8 h 04 min 46 s
